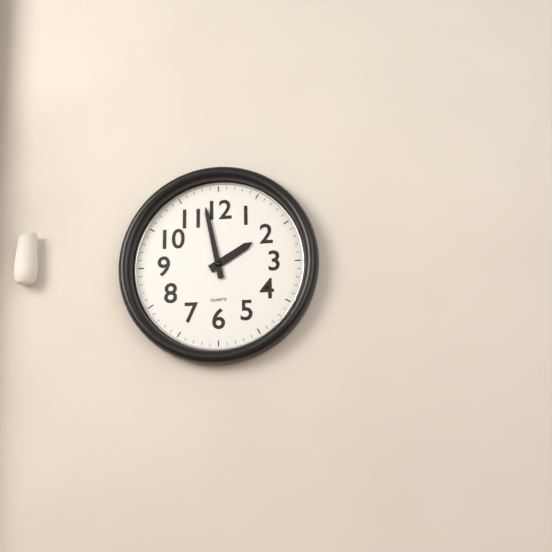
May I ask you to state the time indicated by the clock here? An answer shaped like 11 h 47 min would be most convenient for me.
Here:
1 h 58 min
